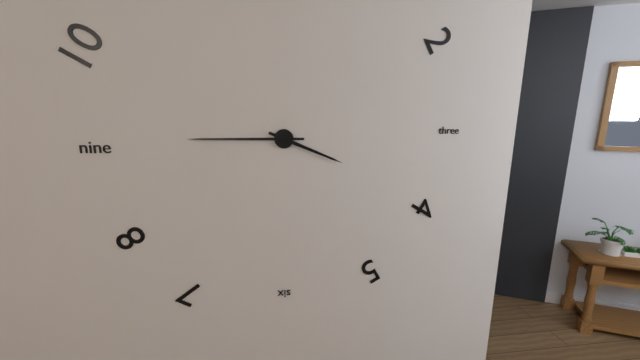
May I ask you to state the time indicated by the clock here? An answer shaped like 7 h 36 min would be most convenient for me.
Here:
3 h 45 min
